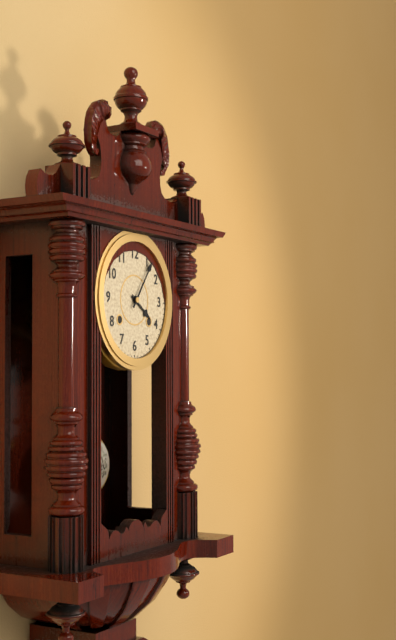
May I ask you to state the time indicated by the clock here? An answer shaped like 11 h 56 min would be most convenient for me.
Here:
4 h 06 min
